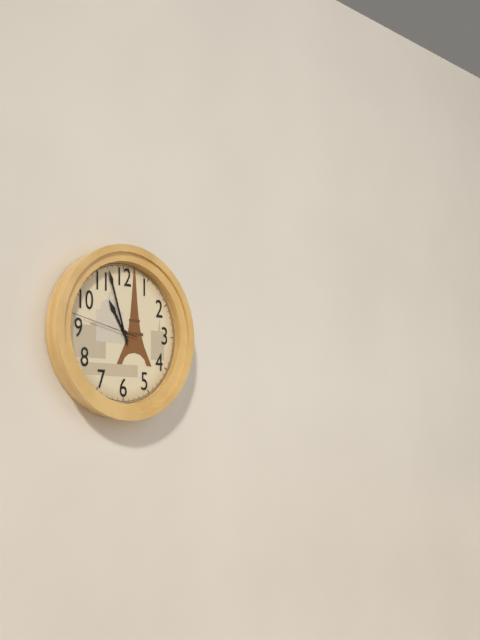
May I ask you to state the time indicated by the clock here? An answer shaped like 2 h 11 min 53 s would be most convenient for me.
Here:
10 h 57 min 47 s
